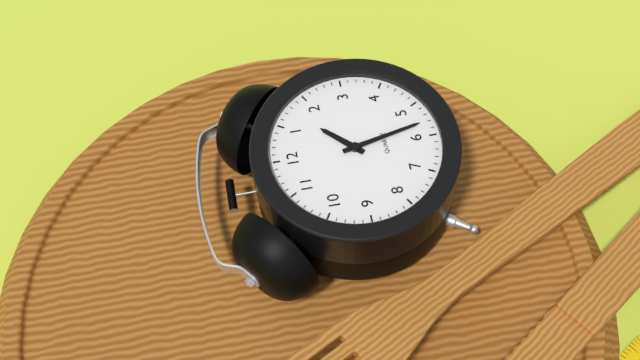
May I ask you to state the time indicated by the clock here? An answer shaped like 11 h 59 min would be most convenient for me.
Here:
1 h 28 min
